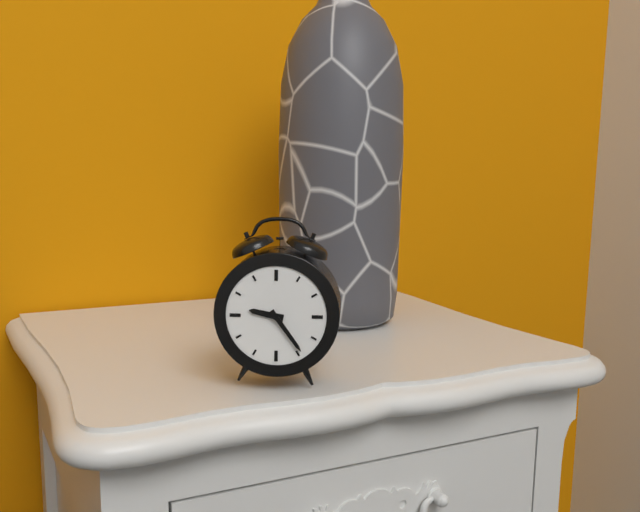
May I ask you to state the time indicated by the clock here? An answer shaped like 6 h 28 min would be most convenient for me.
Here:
9 h 24 min
